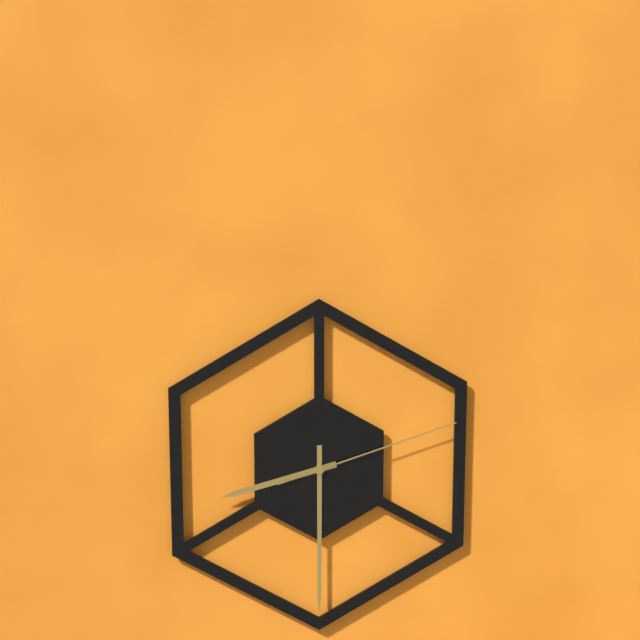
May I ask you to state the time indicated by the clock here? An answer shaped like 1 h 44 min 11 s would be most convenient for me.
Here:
8 h 30 min 12 s
